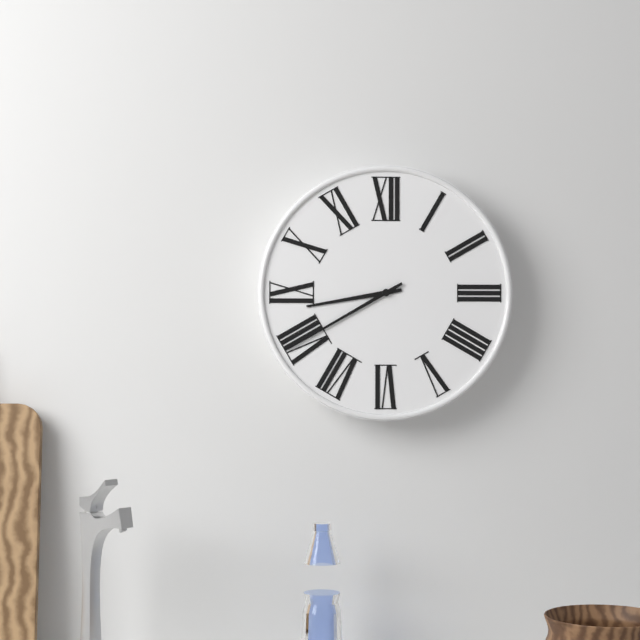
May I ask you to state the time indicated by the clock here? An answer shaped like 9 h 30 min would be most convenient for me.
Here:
8 h 40 min
